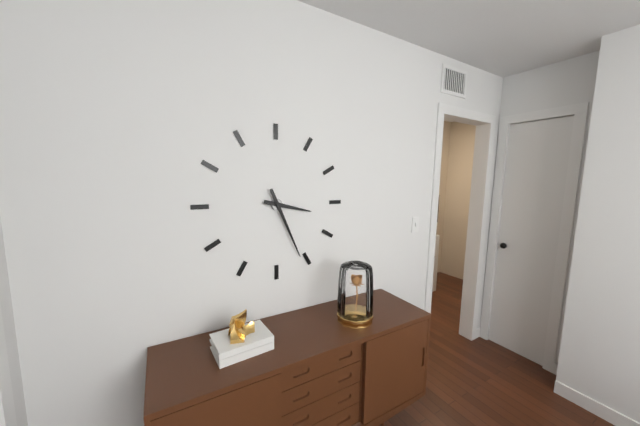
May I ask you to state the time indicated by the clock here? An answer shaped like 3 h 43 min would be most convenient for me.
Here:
3 h 26 min
